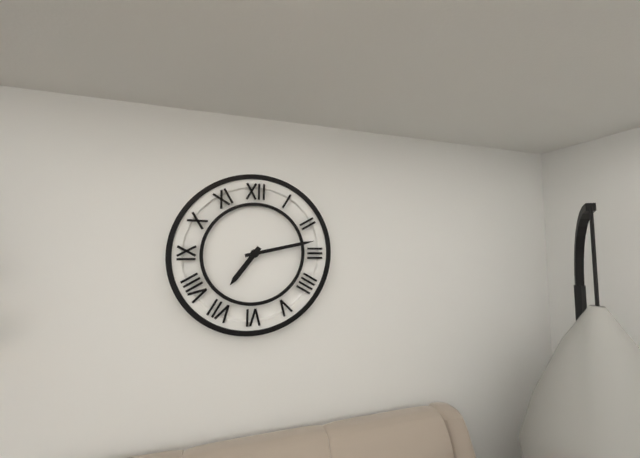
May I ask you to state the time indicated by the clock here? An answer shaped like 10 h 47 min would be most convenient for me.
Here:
7 h 13 min
